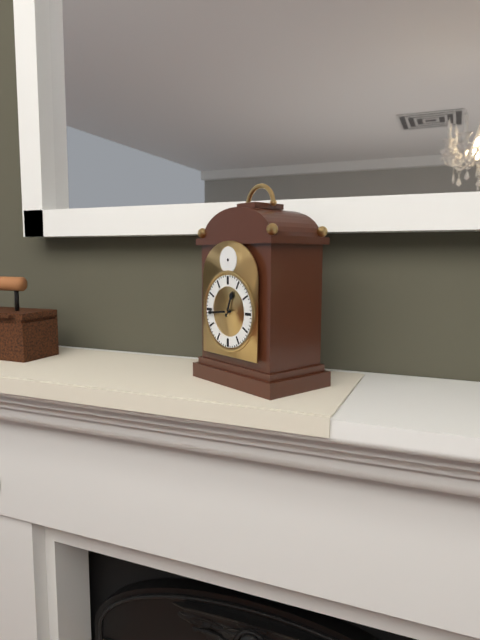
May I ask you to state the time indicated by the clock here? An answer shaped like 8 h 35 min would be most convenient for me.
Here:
12 h 44 min
